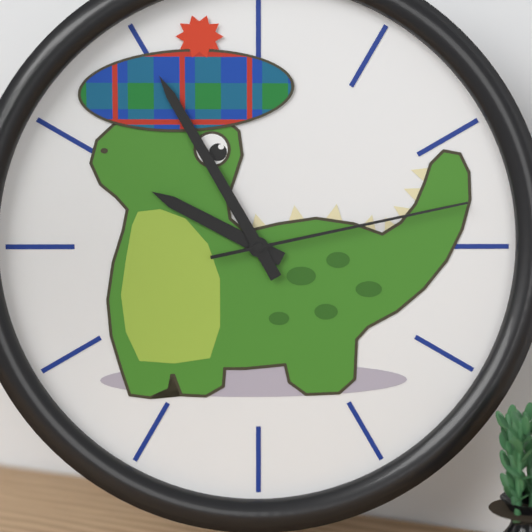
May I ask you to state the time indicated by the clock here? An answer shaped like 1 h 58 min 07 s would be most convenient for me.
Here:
9 h 55 min 13 s
